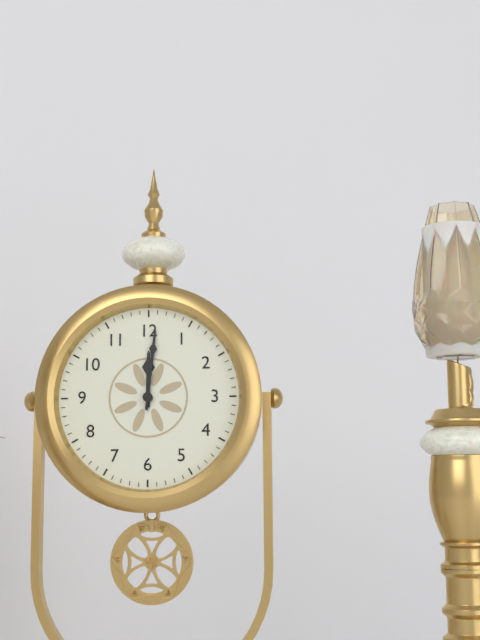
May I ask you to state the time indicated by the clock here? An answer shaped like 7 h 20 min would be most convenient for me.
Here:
12 h 01 min
